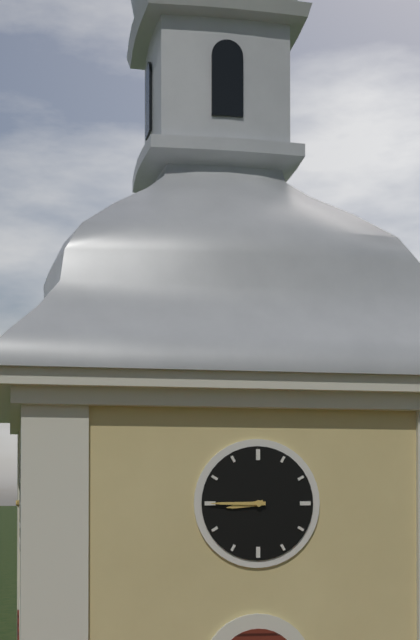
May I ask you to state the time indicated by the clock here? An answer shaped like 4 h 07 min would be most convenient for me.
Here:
8 h 45 min
